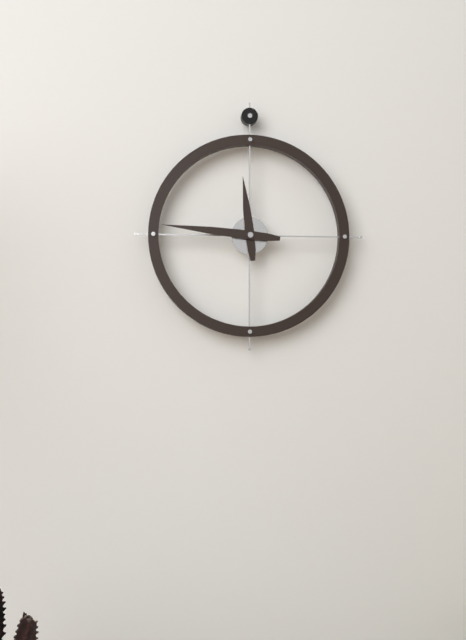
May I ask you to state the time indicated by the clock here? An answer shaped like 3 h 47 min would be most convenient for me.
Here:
11 h 46 min
